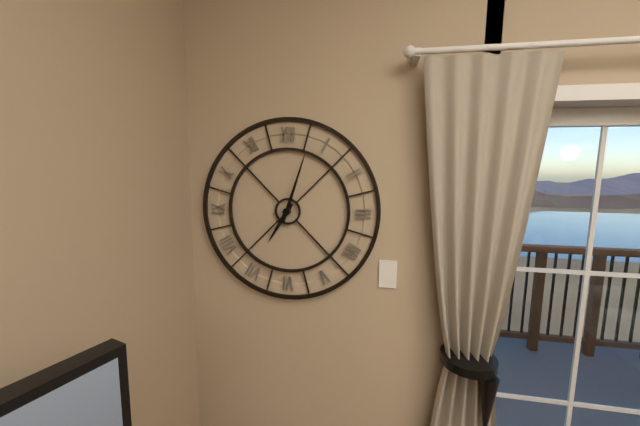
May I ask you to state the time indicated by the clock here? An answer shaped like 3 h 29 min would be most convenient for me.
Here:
7 h 03 min
